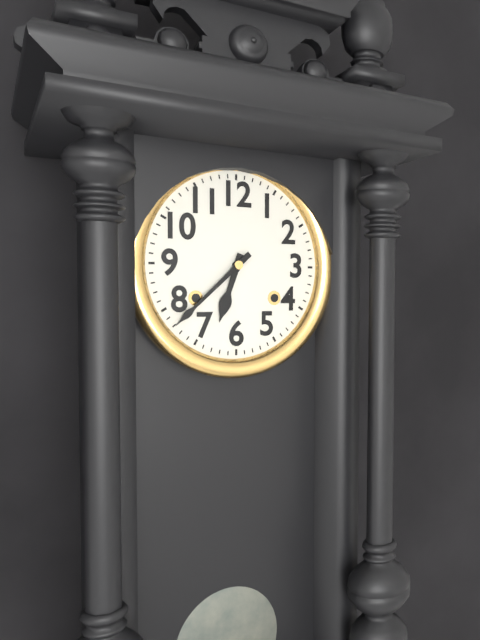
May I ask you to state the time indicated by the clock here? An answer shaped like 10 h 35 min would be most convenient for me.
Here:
6 h 38 min
